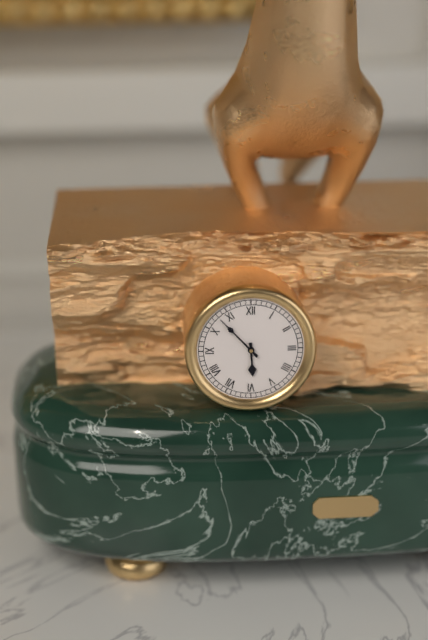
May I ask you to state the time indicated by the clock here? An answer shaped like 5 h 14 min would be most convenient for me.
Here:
5 h 53 min
